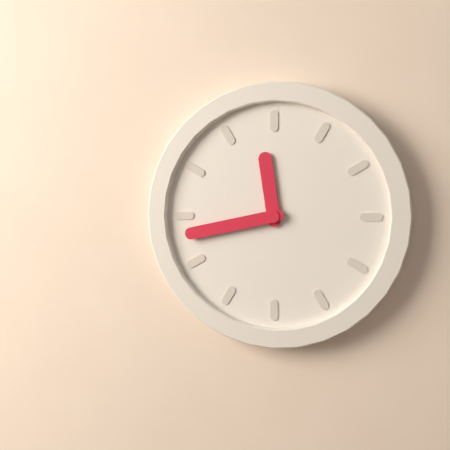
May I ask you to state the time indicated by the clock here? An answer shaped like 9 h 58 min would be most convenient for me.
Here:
11 h 43 min
